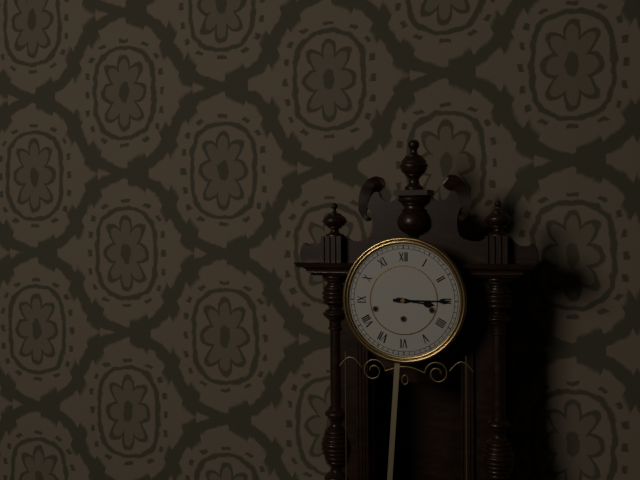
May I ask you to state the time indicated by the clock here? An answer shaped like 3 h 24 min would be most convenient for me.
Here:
3 h 15 min
